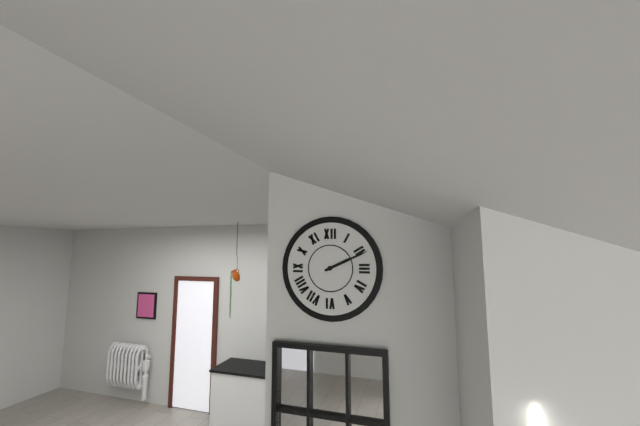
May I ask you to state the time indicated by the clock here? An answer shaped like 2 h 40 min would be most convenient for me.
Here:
2 h 11 min
